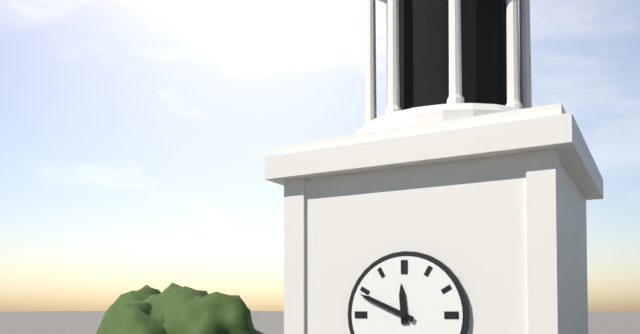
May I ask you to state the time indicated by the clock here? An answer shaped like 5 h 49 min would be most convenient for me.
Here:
11 h 49 min
